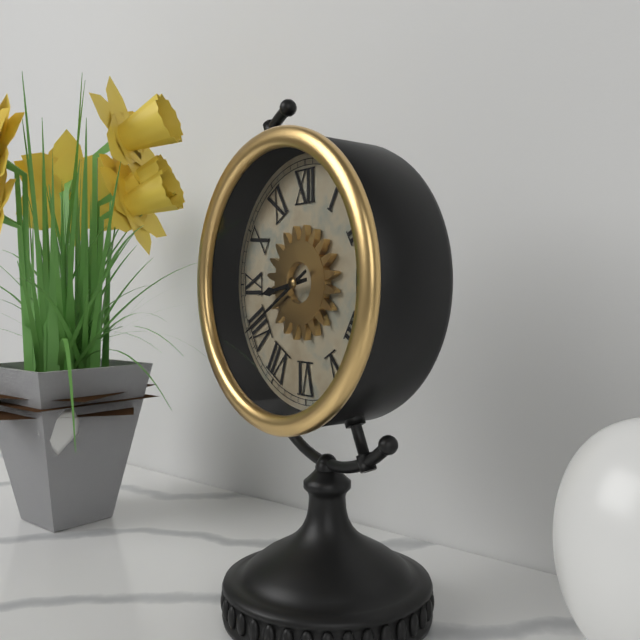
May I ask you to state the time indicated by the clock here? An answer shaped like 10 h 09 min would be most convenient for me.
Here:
8 h 40 min
